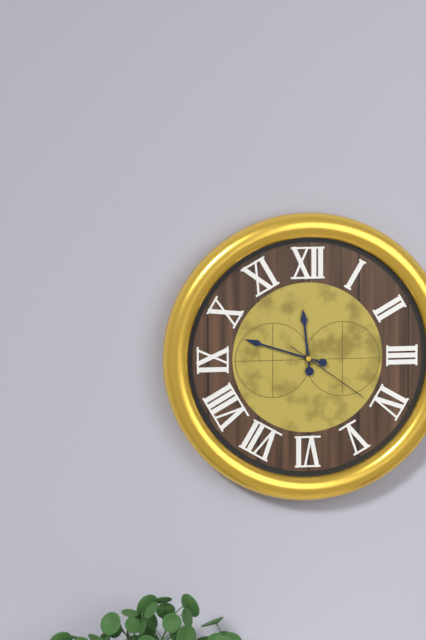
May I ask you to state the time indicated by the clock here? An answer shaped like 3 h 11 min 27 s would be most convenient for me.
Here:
11 h 48 min 21 s
